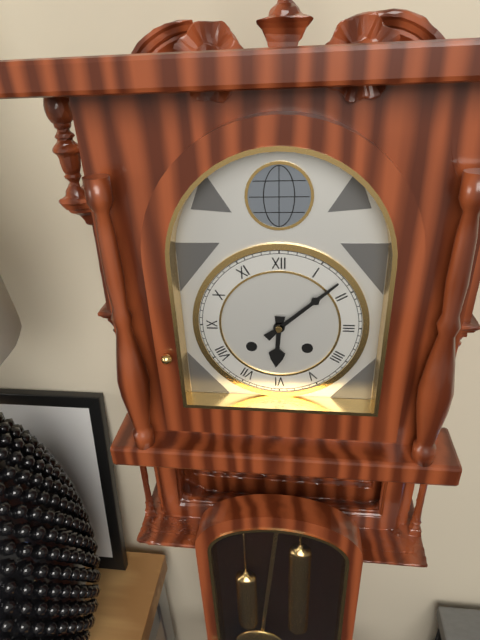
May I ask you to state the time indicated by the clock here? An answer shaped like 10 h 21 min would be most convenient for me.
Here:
6 h 08 min
